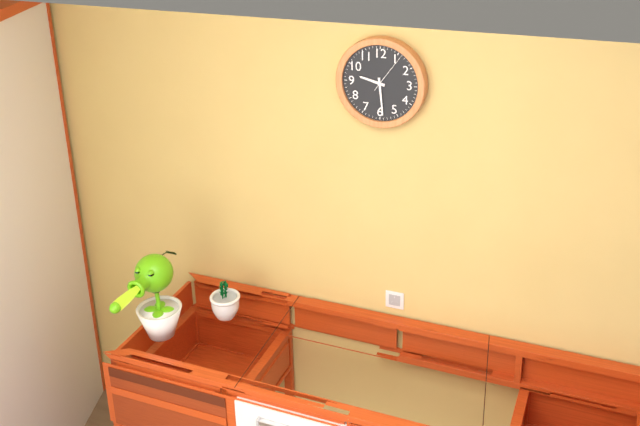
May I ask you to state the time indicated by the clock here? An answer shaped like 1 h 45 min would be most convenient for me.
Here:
9 h 29 min
